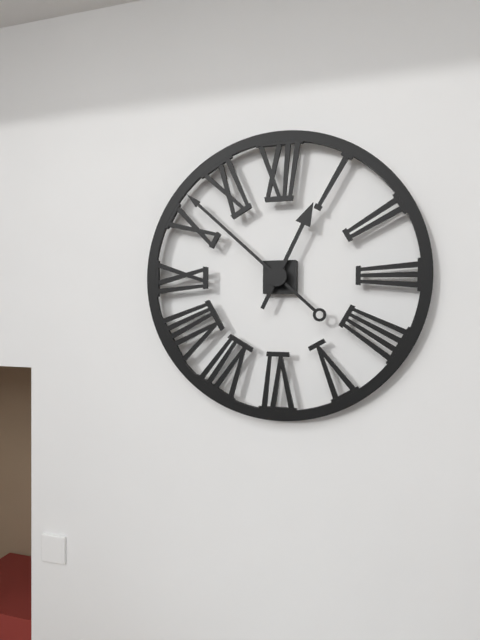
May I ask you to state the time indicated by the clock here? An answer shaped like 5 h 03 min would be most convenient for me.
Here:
12 h 52 min
